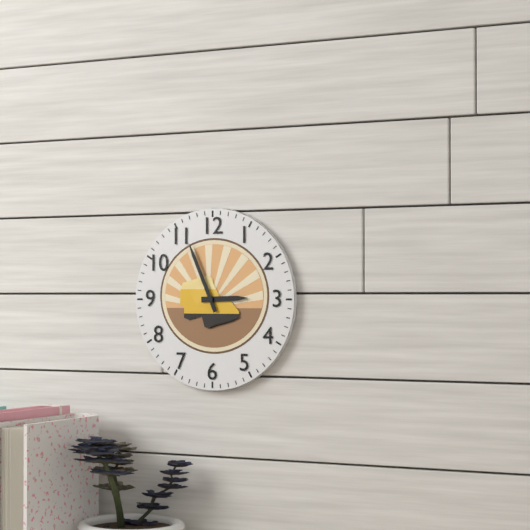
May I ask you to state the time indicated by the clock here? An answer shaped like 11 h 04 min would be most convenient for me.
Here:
2 h 56 min
